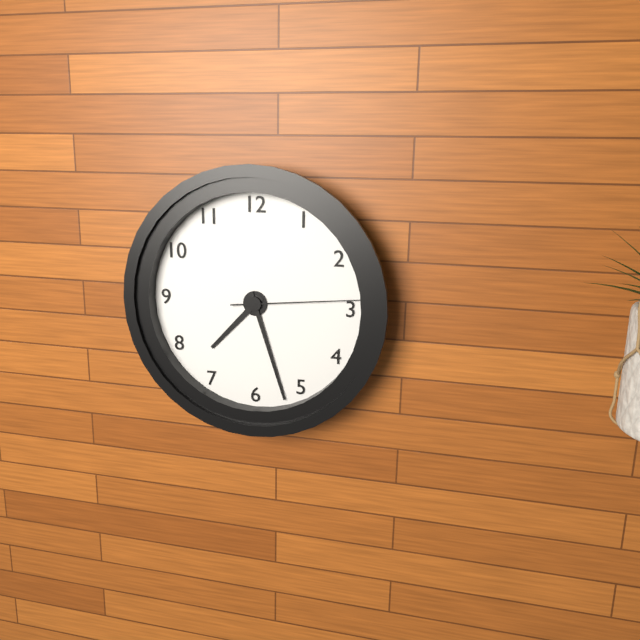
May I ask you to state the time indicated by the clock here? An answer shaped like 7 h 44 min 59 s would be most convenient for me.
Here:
7 h 27 min 14 s
